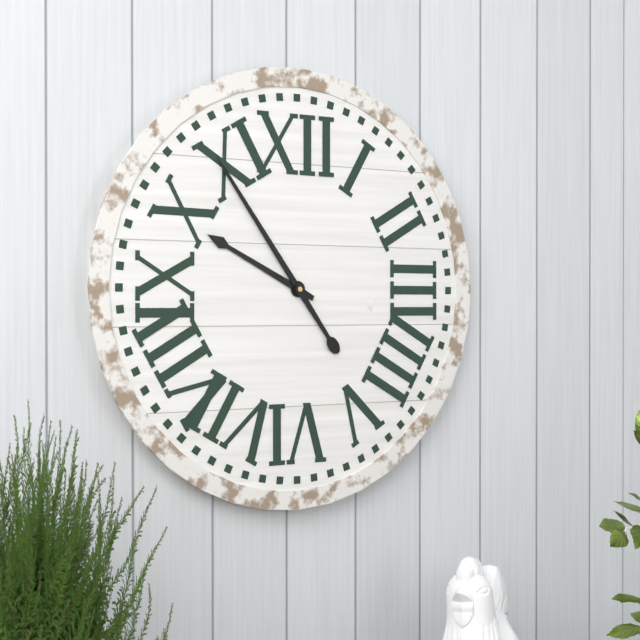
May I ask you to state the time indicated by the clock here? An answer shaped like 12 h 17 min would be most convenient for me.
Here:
9 h 54 min
